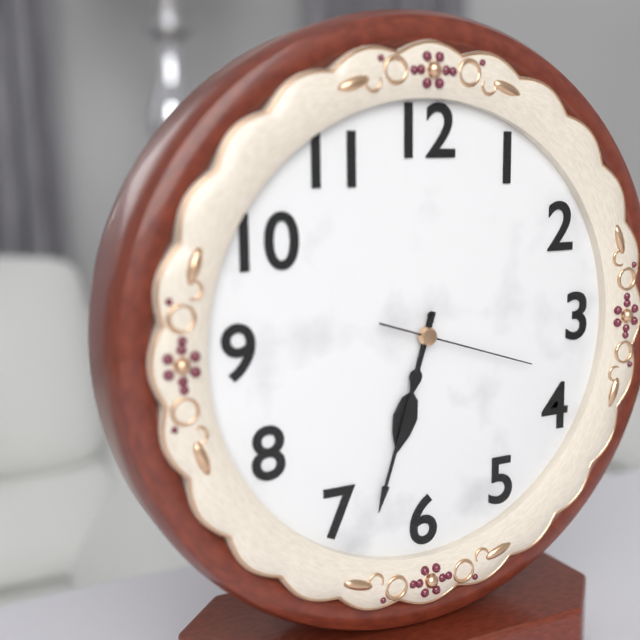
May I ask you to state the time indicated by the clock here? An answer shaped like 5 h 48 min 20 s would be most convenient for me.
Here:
6 h 33 min 18 s
